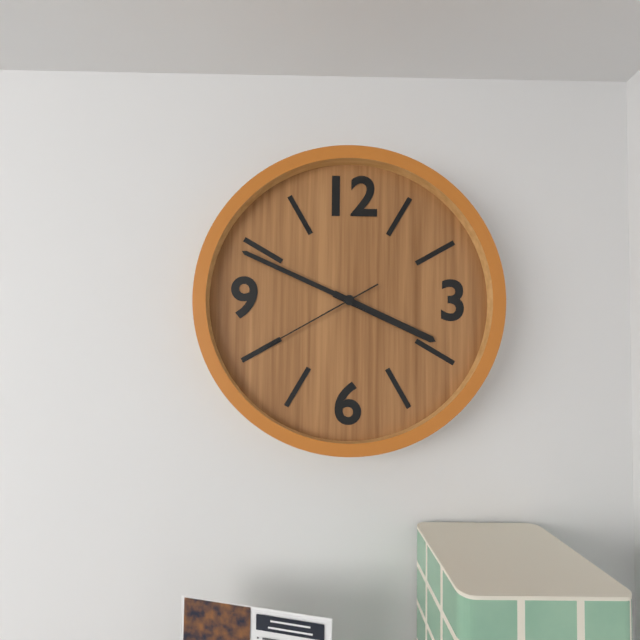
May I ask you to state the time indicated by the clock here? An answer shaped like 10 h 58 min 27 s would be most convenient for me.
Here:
3 h 49 min 40 s
